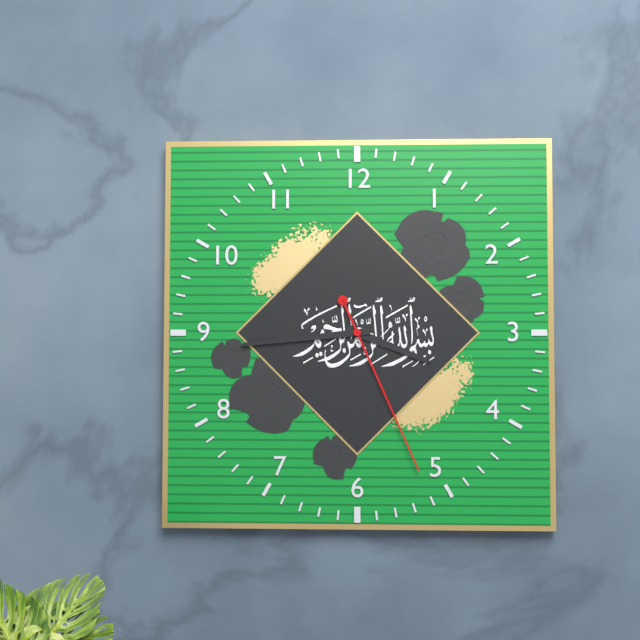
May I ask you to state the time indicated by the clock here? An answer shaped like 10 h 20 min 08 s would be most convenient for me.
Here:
3 h 44 min 26 s
